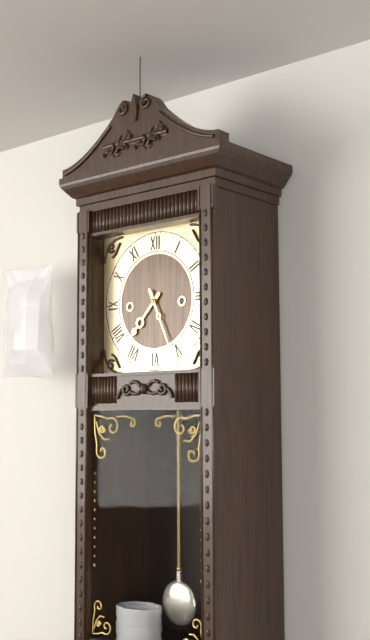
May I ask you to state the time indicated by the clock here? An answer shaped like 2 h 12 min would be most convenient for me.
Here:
7 h 26 min
